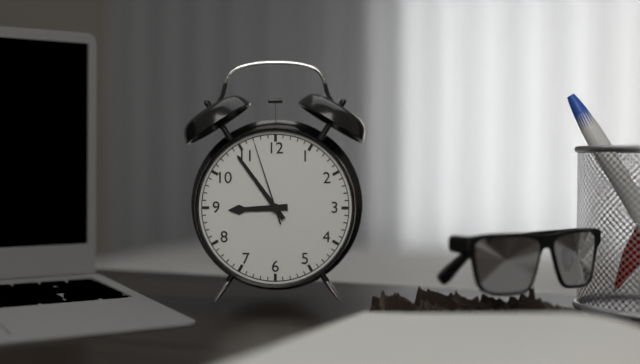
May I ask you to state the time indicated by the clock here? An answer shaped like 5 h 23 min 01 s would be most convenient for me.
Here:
8 h 54 min 57 s
